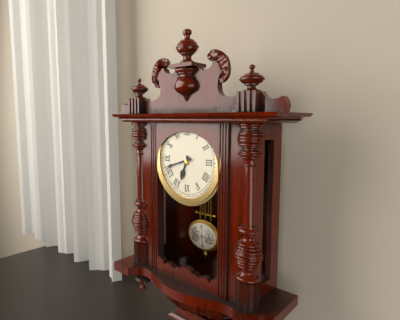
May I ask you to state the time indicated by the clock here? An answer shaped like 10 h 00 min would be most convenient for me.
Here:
6 h 42 min
